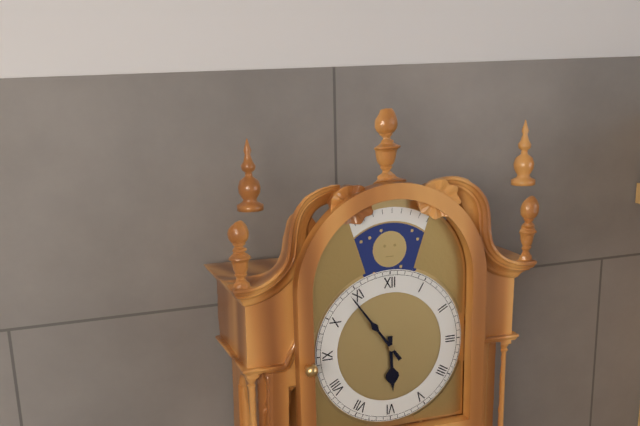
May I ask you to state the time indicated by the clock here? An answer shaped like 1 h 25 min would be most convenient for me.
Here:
5 h 54 min
